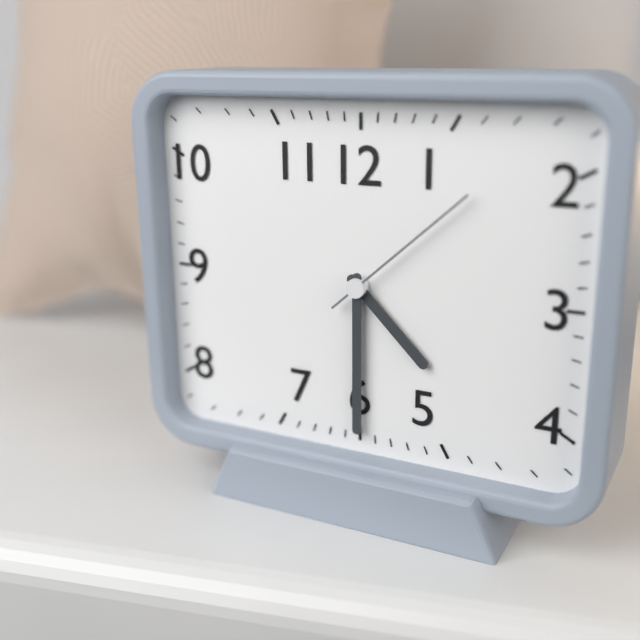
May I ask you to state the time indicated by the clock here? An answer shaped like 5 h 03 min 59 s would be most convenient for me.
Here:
4 h 30 min 08 s
